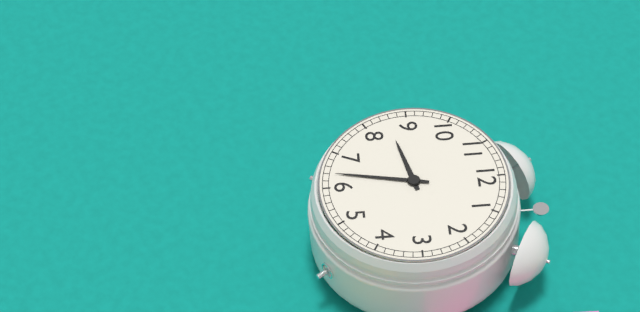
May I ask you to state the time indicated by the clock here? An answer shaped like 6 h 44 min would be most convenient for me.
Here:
8 h 32 min
